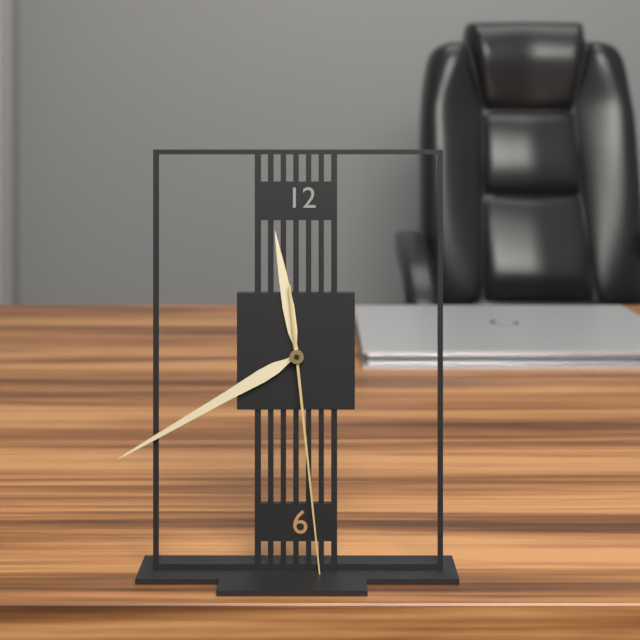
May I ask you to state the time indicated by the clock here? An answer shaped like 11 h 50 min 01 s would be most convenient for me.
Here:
11 h 40 min 29 s
